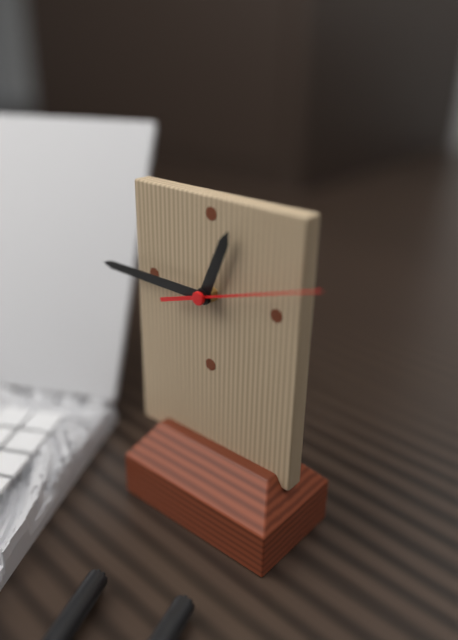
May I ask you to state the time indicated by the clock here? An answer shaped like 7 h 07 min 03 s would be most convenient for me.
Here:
12 h 45 min 12 s
